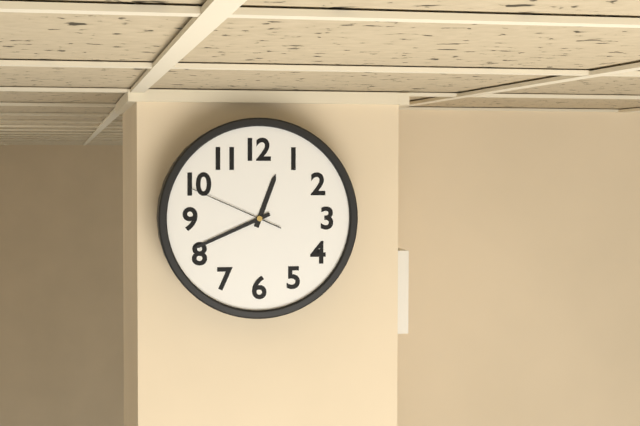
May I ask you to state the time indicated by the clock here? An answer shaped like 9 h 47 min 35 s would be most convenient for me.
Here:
12 h 41 min 49 s
